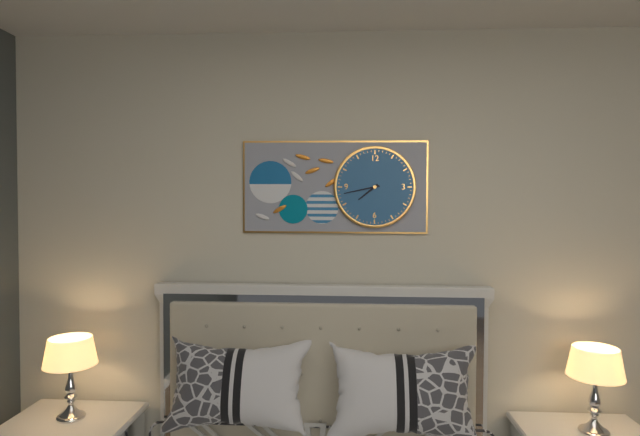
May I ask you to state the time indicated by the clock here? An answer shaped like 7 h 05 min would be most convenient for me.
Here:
7 h 43 min
